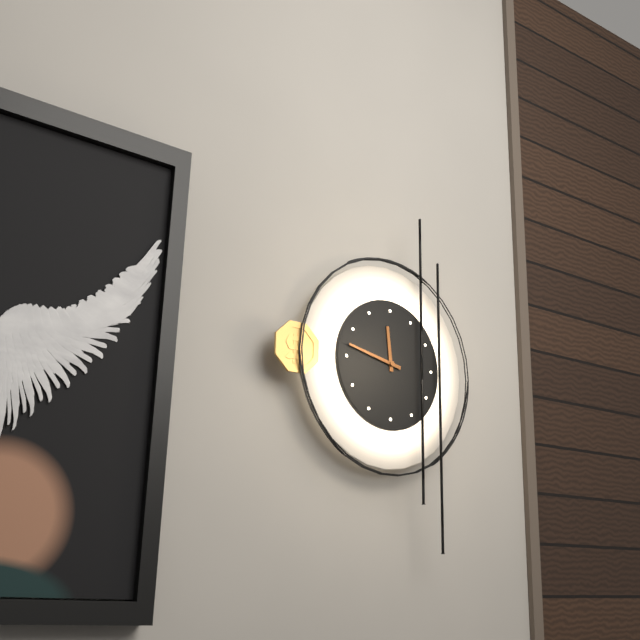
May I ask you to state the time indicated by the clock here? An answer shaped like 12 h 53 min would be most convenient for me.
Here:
11 h 47 min
